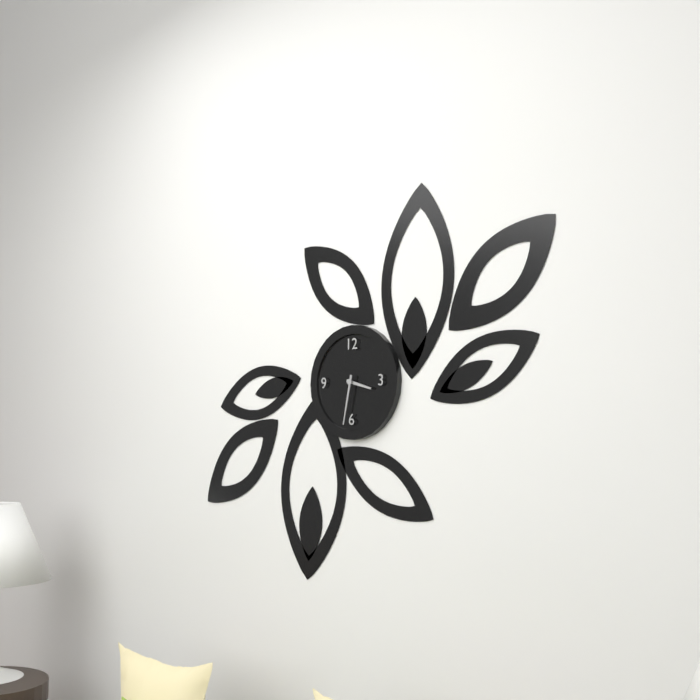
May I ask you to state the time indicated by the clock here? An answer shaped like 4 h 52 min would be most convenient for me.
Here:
3 h 32 min
